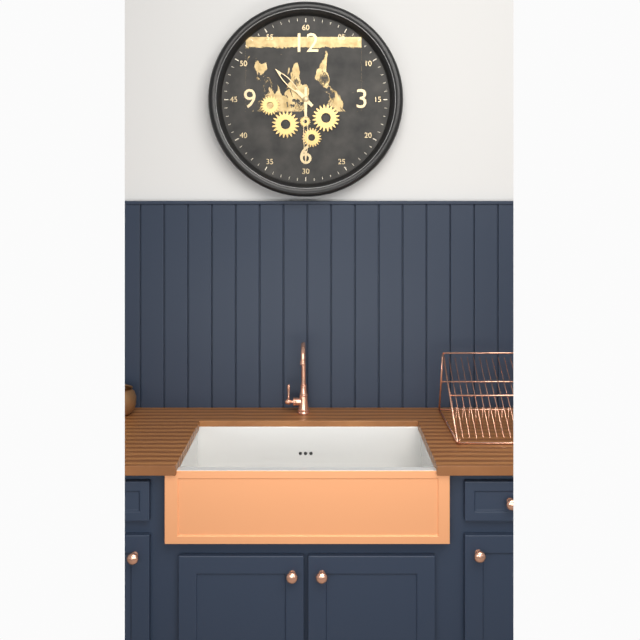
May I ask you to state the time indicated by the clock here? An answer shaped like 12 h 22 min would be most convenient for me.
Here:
10 h 30 min
